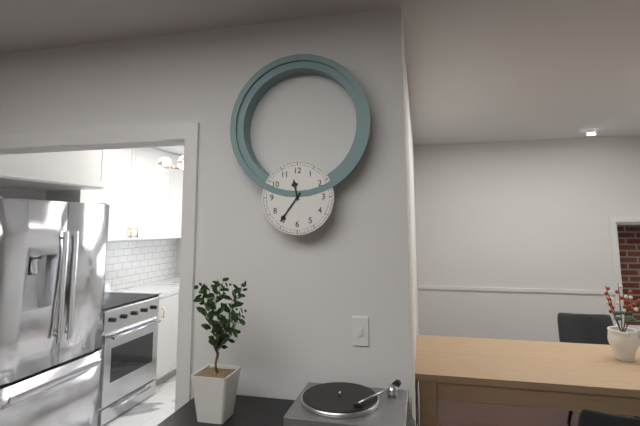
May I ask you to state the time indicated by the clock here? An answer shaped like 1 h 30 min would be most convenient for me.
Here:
11 h 36 min
